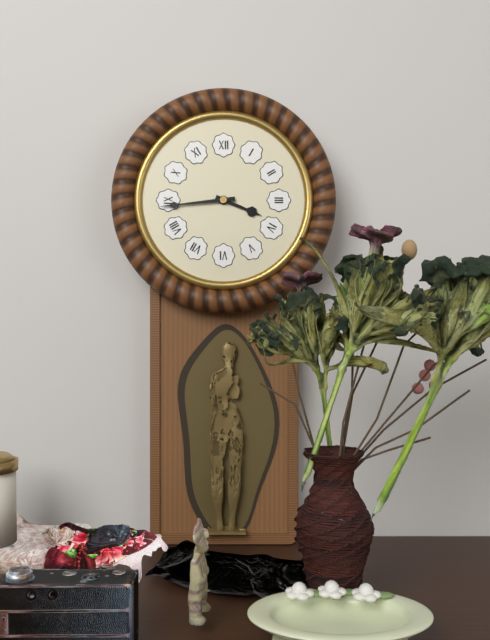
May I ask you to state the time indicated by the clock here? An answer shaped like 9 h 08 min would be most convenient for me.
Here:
3 h 44 min
